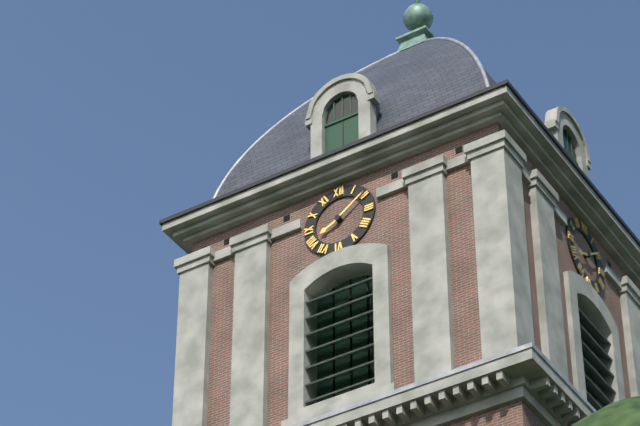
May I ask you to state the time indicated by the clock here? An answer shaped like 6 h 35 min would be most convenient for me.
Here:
8 h 09 min
